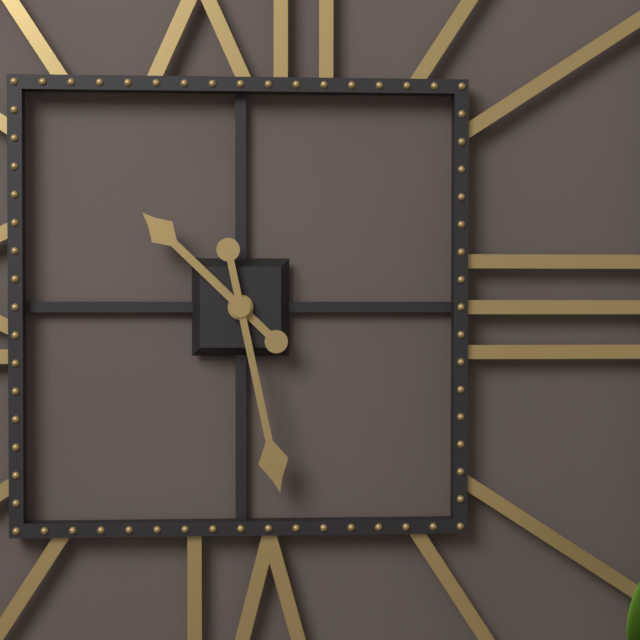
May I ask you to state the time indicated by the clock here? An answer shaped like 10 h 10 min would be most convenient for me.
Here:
10 h 28 min
